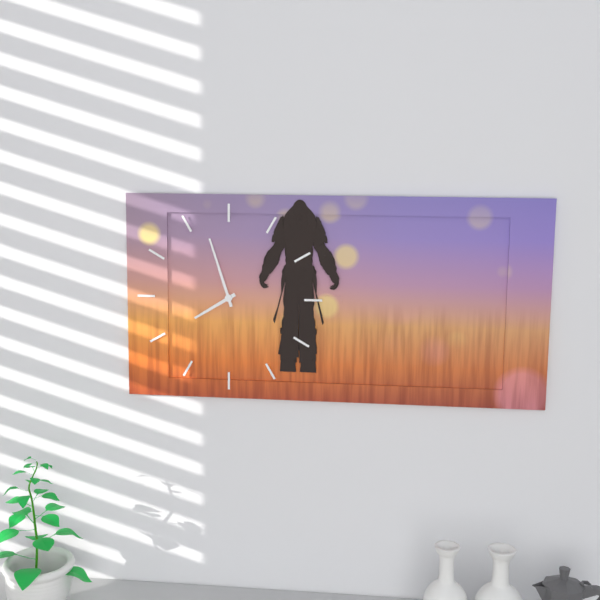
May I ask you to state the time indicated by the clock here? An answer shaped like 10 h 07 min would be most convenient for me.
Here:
7 h 57 min
